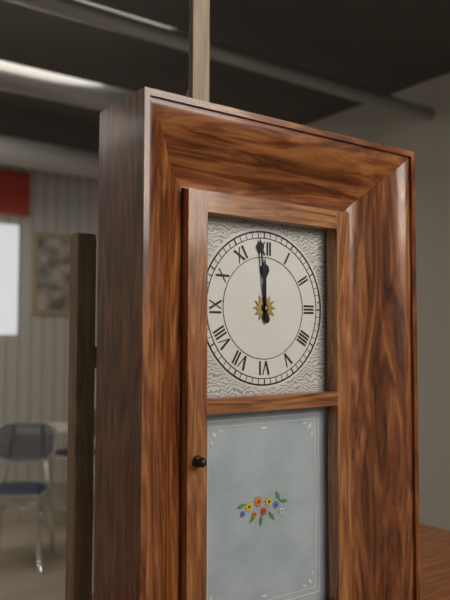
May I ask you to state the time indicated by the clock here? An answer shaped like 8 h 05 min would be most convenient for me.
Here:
11 h 59 min
